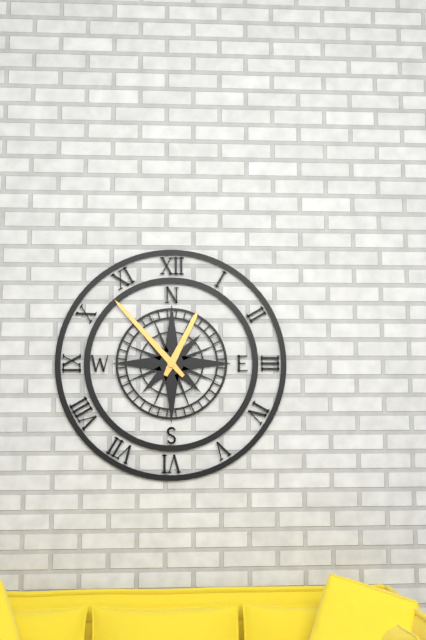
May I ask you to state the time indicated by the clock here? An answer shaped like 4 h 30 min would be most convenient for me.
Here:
12 h 53 min
